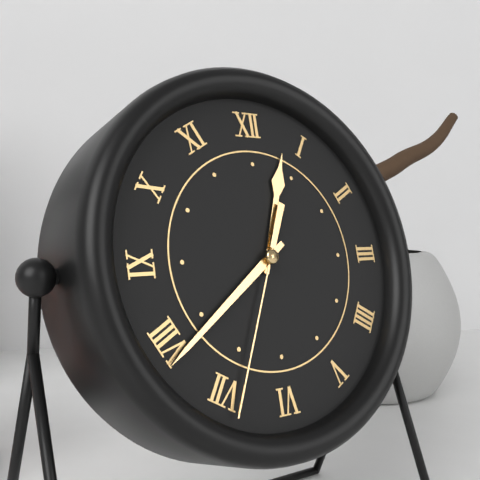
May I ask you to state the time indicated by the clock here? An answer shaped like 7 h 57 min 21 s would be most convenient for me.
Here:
12 h 39 min 34 s
